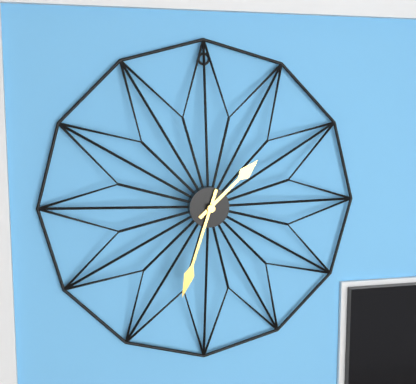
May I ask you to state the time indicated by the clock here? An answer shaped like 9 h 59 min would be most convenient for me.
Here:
1 h 33 min
